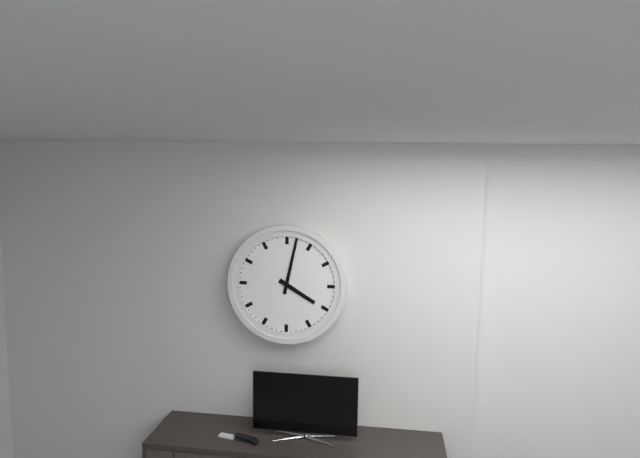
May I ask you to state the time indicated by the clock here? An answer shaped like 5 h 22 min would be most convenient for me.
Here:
4 h 02 min
